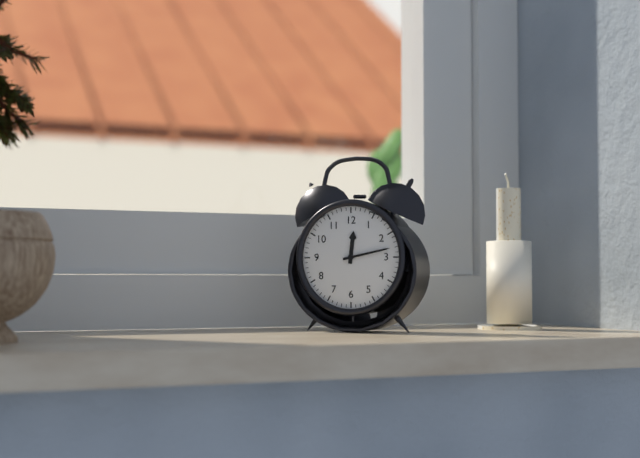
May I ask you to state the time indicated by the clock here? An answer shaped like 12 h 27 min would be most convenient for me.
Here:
12 h 13 min
